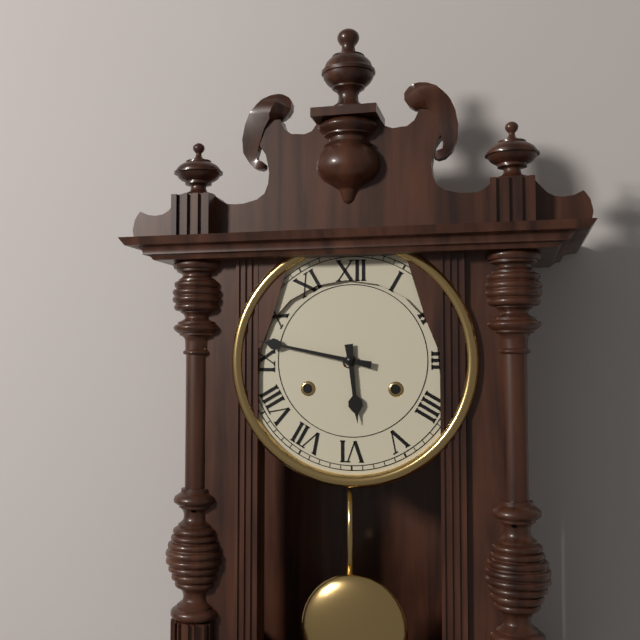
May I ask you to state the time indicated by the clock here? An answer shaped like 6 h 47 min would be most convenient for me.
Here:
5 h 47 min
